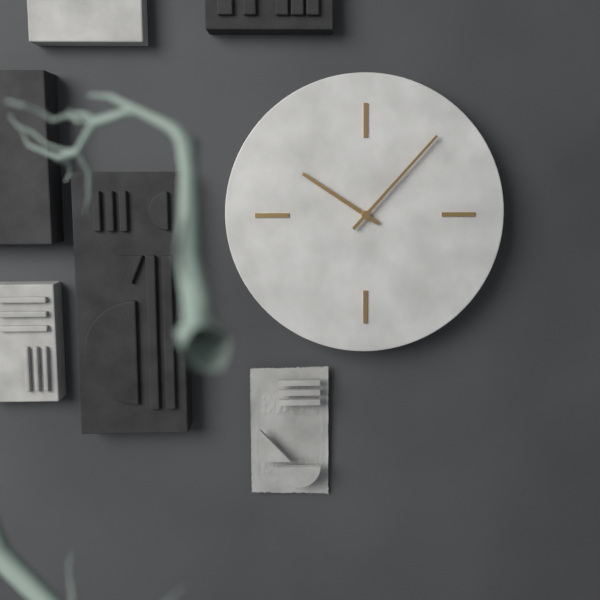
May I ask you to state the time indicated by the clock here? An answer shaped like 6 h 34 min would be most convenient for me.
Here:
10 h 07 min
